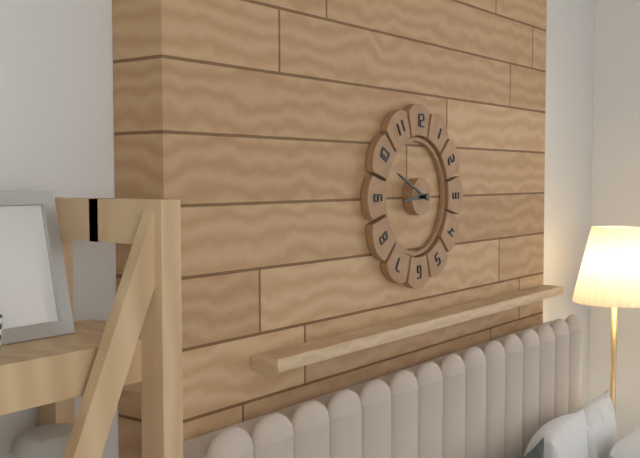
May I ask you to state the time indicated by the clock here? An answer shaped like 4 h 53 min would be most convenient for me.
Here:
8 h 49 min
